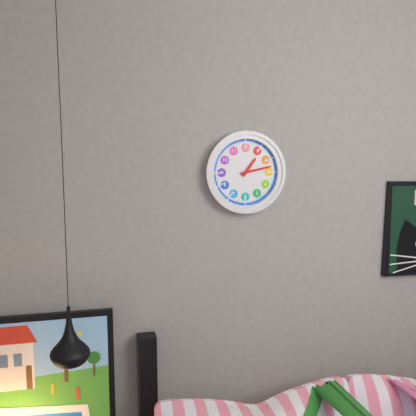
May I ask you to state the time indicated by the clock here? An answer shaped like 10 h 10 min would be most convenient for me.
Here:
1 h 13 min
